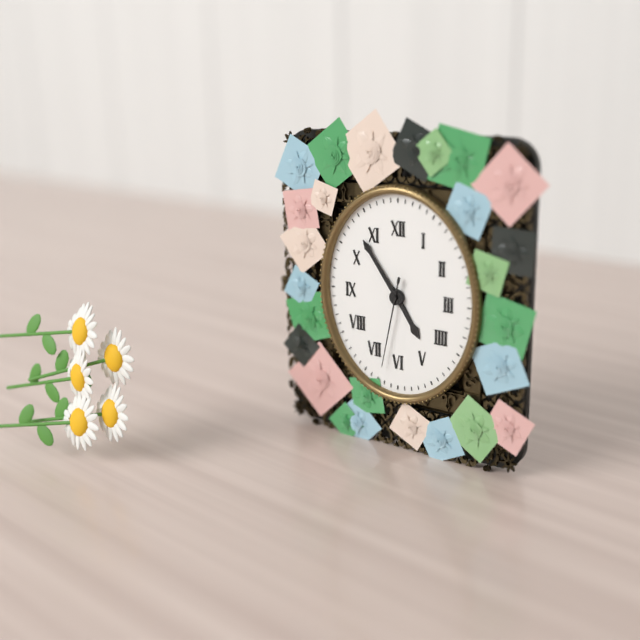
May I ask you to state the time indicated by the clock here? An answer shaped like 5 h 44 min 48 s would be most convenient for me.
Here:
4 h 54 min 32 s
